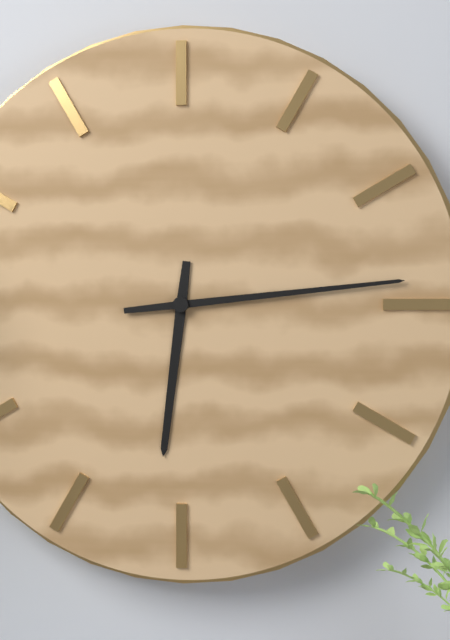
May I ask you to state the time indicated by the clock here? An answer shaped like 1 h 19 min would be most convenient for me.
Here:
6 h 14 min
